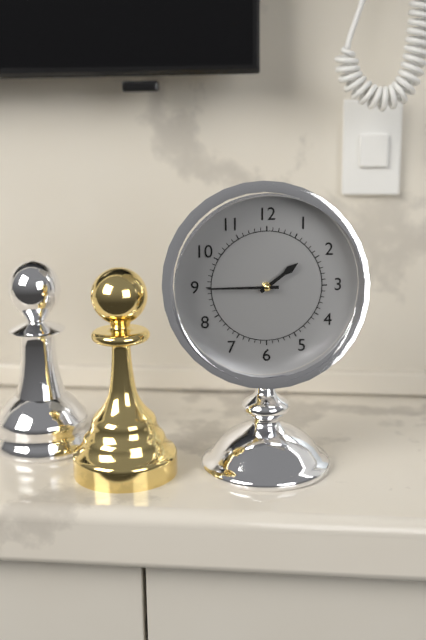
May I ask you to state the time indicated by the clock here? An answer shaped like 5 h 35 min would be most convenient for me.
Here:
1 h 45 min
